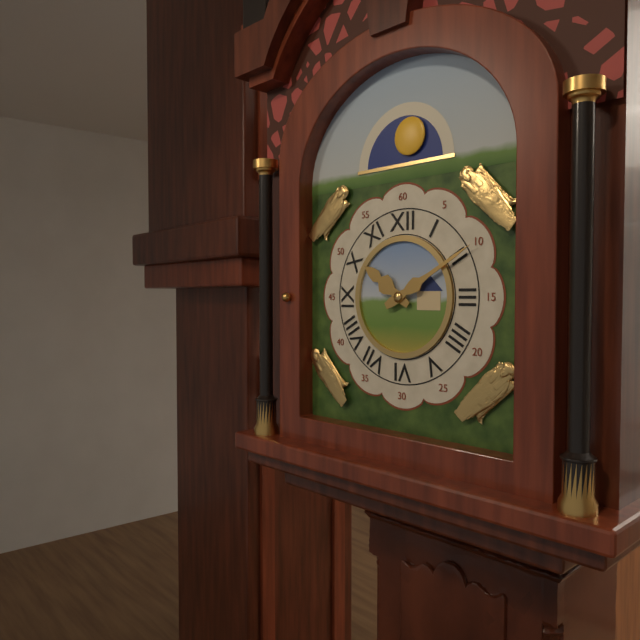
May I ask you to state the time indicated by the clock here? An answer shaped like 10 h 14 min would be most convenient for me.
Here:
10 h 10 min
